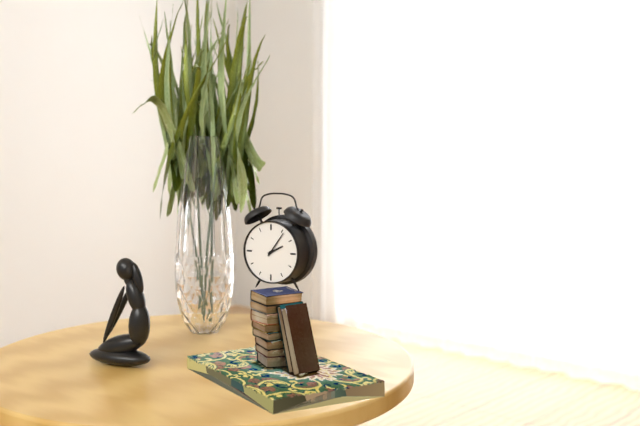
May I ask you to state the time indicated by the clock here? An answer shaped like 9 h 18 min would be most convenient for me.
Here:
2 h 06 min
